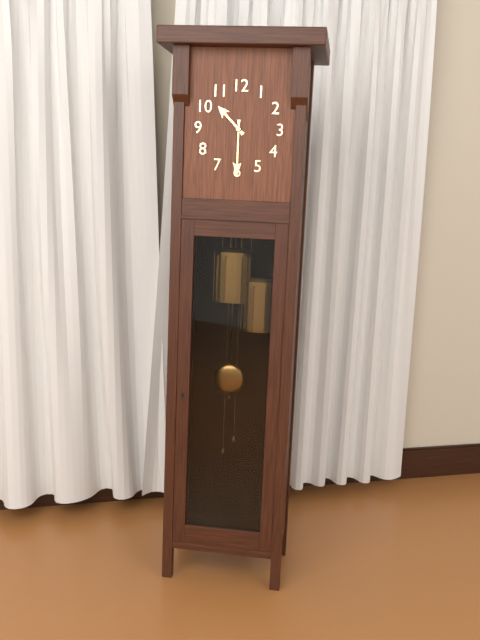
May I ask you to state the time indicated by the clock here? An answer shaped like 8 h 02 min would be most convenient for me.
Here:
10 h 30 min
